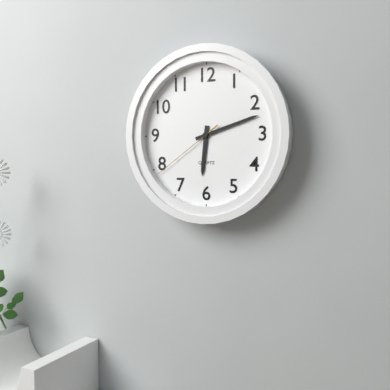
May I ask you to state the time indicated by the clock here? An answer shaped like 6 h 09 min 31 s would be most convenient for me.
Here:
6 h 12 min 39 s
